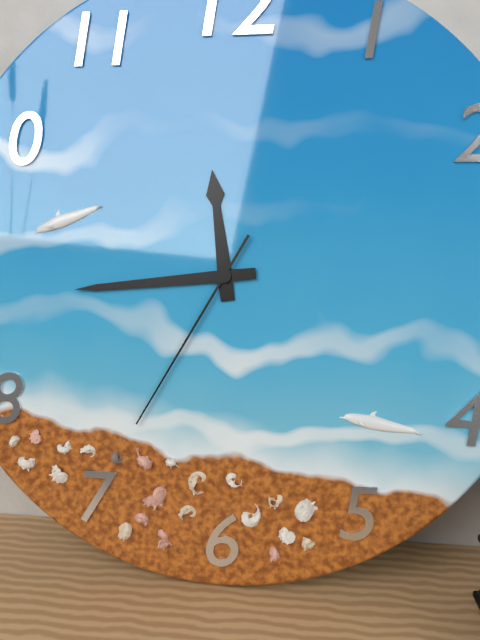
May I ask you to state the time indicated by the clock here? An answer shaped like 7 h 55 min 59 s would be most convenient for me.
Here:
11 h 44 min 35 s
